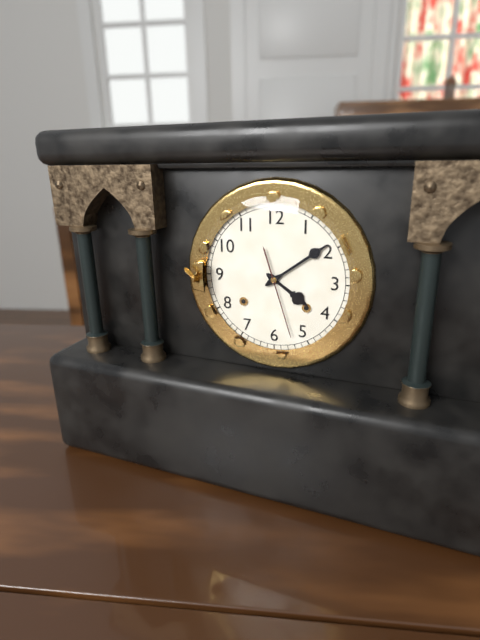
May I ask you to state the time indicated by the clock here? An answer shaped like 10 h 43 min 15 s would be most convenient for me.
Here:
4 h 09 min 27 s
